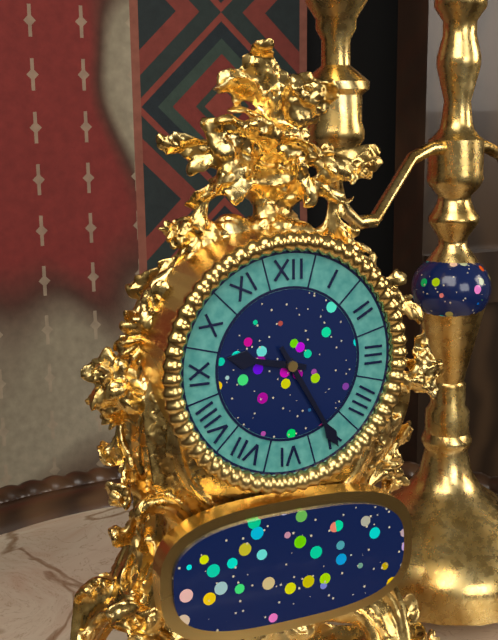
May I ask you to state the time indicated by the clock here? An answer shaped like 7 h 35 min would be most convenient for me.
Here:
9 h 25 min
